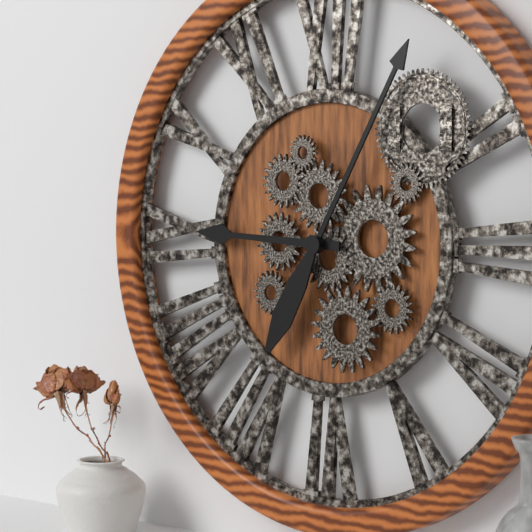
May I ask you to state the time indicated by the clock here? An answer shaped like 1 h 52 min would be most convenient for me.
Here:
9 h 05 min
